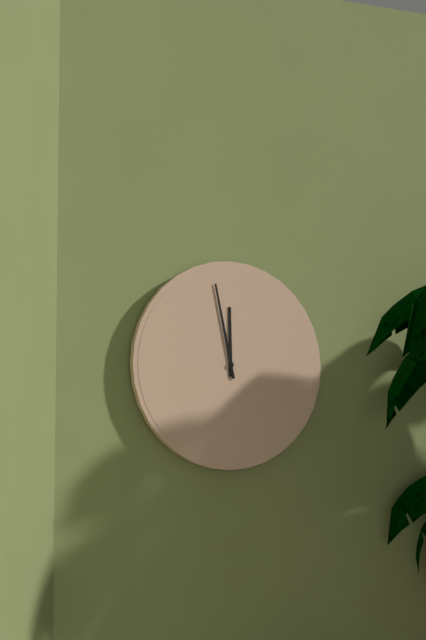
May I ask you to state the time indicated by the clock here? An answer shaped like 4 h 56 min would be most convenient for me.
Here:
11 h 58 min
